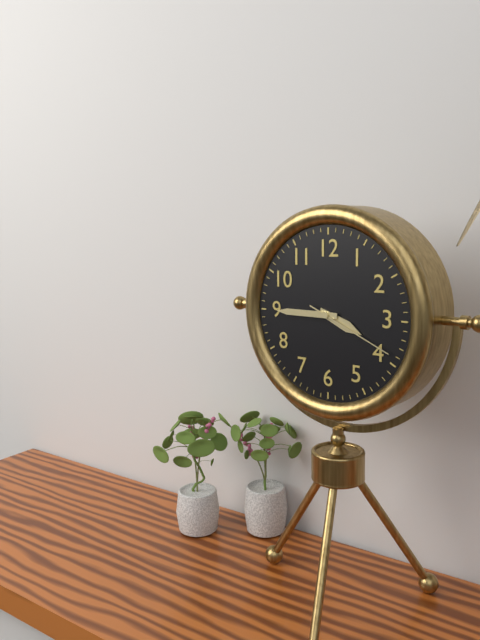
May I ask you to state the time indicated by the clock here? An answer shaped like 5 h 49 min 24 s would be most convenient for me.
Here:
3 h 45 min 19 s
